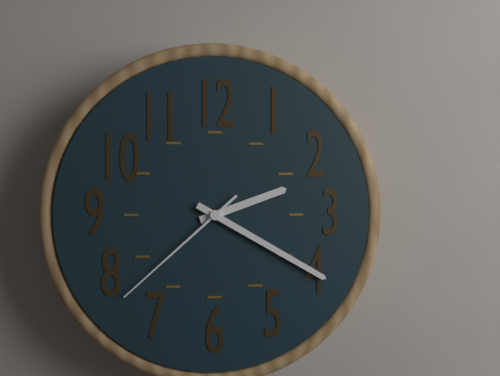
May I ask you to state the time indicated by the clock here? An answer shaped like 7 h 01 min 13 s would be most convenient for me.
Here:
2 h 20 min 38 s
